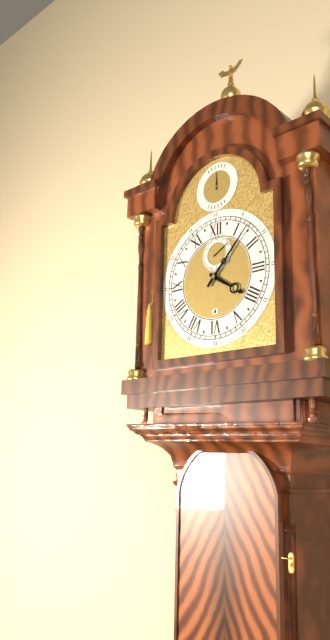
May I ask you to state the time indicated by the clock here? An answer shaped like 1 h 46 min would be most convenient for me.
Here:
4 h 07 min
